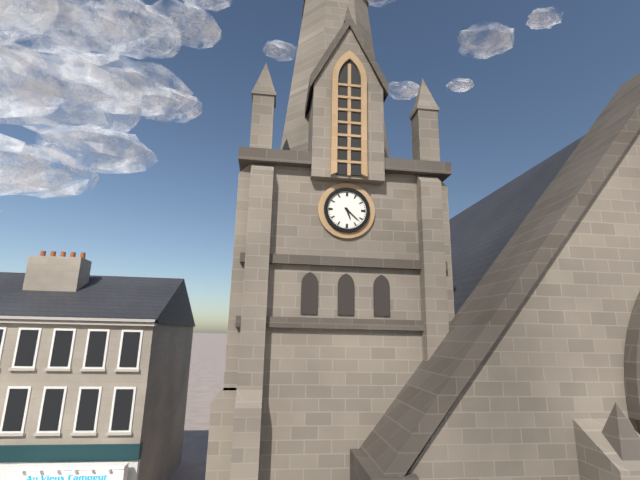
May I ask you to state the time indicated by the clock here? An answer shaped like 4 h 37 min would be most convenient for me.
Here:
5 h 22 min
